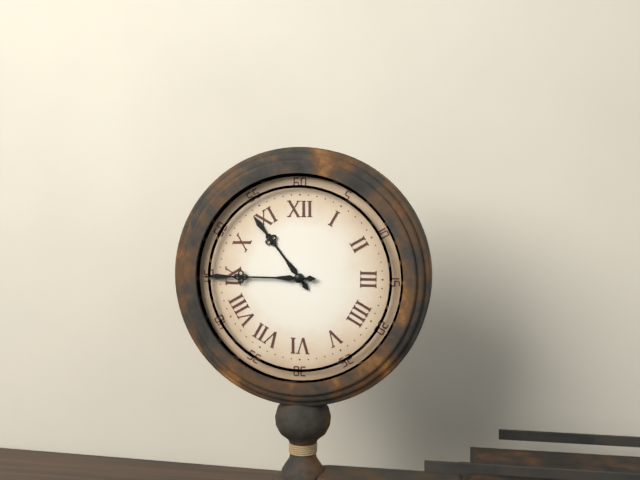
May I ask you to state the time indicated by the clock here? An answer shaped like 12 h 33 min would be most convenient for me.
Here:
10 h 45 min
